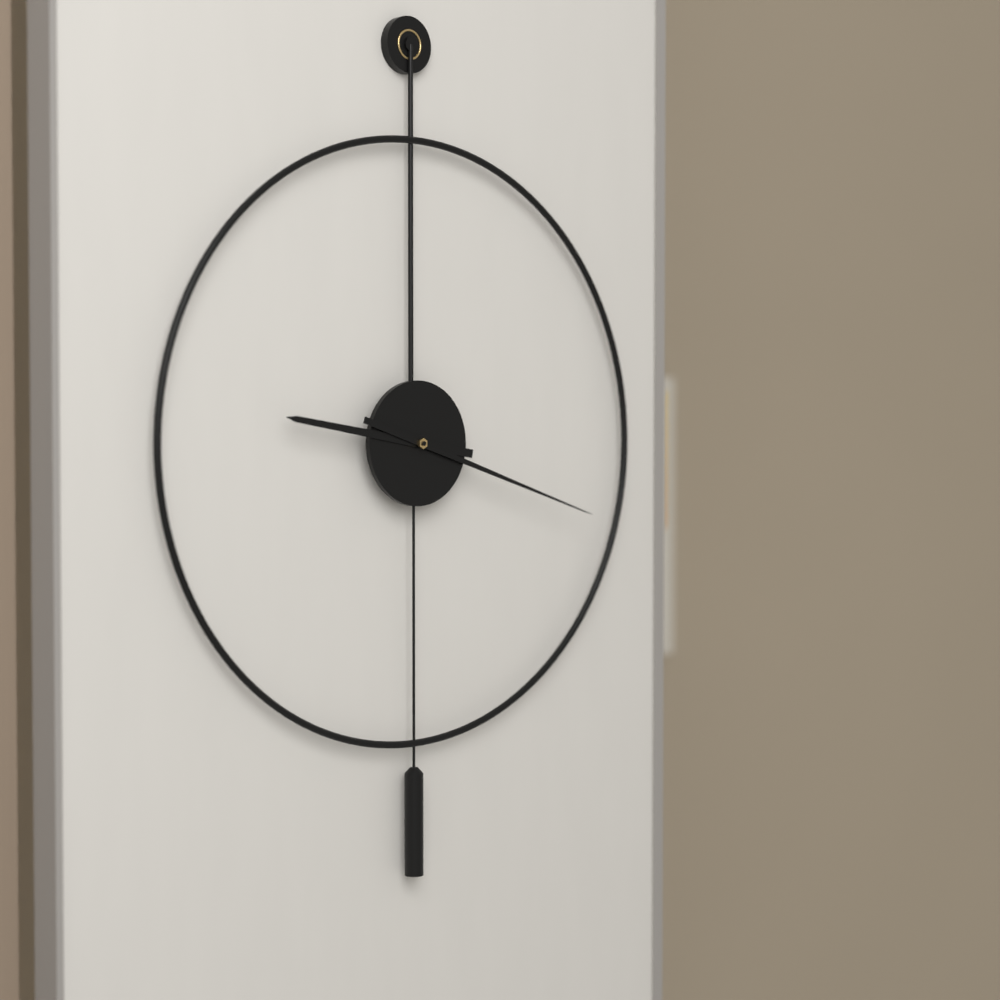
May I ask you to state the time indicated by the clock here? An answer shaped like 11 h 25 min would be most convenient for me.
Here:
9 h 18 min
